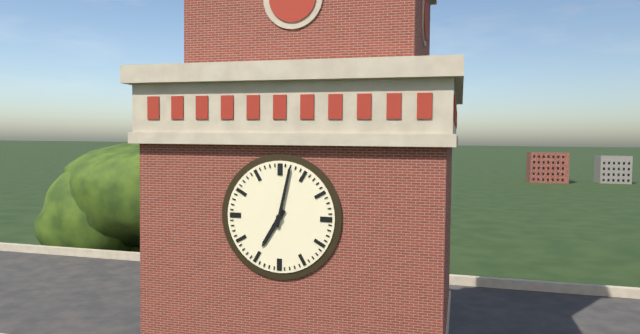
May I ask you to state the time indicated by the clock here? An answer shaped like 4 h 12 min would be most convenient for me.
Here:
7 h 02 min
